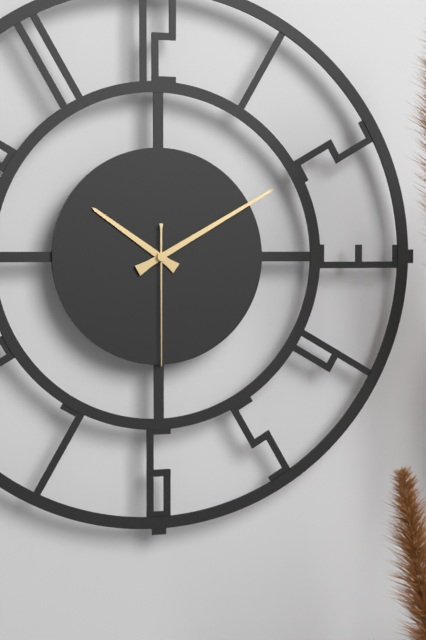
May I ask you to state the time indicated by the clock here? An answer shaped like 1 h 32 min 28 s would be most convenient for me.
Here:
10 h 10 min 30 s
